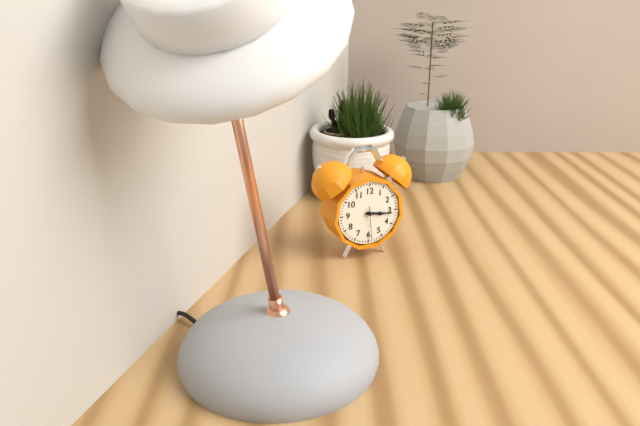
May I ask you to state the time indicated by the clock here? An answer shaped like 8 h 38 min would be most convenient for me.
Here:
3 h 16 min
